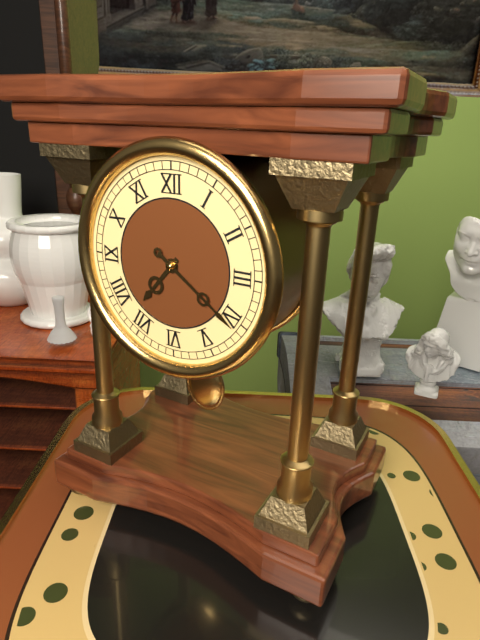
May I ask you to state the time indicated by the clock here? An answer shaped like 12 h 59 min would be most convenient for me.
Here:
7 h 21 min
